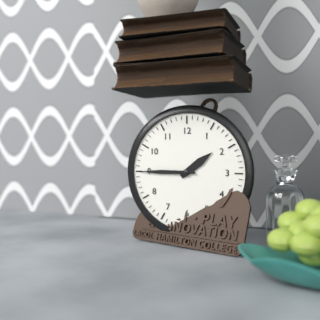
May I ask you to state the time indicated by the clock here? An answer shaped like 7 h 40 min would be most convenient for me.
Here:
1 h 45 min
